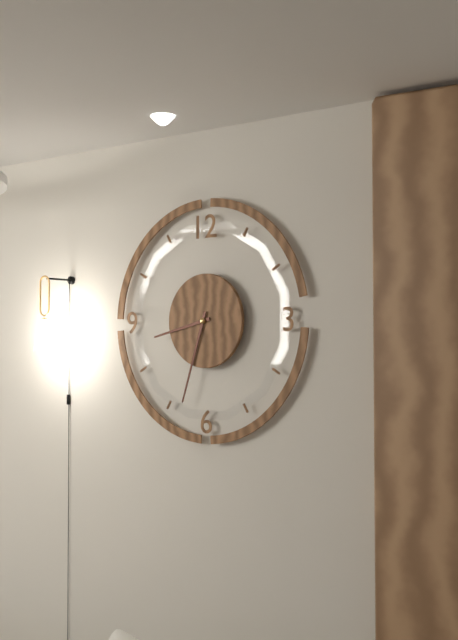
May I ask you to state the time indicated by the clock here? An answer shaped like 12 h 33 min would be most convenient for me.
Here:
8 h 33 min
